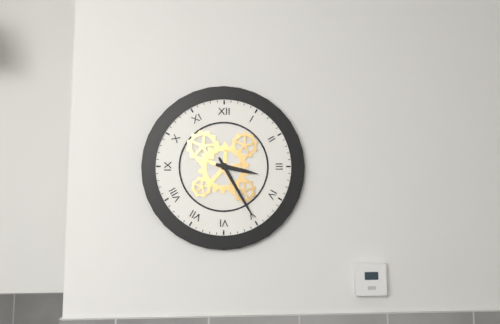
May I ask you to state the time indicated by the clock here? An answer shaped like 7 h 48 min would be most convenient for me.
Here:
3 h 25 min
